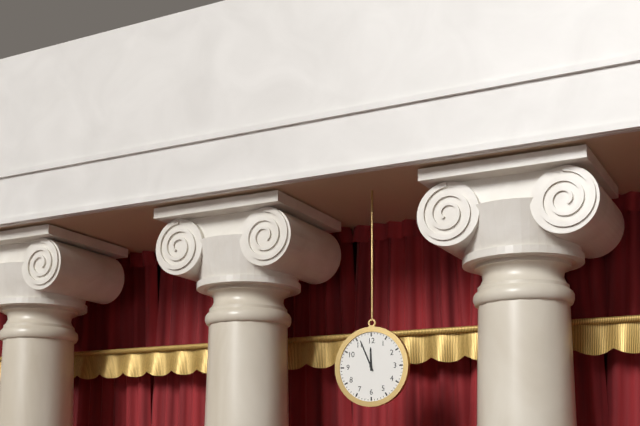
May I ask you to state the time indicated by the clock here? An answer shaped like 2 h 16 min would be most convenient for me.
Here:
11 h 56 min
